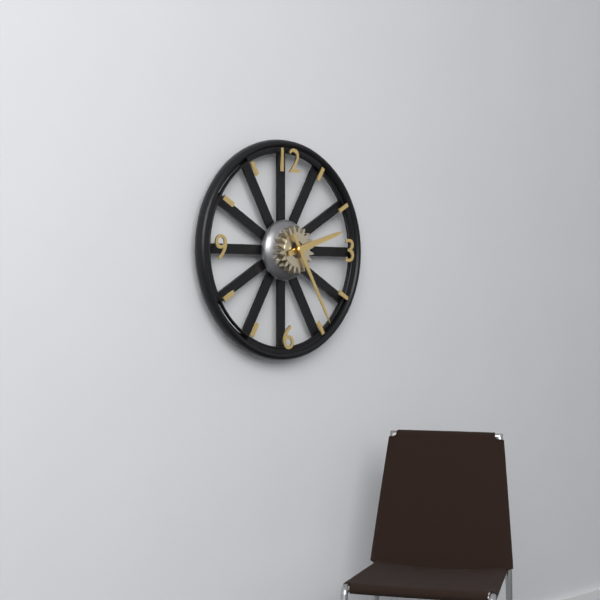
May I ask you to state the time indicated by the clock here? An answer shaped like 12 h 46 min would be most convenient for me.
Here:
2 h 25 min
